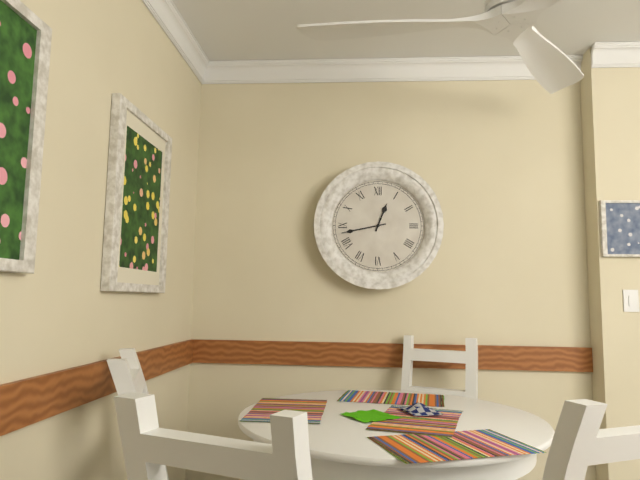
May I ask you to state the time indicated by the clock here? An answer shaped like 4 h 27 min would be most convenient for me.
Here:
12 h 43 min
